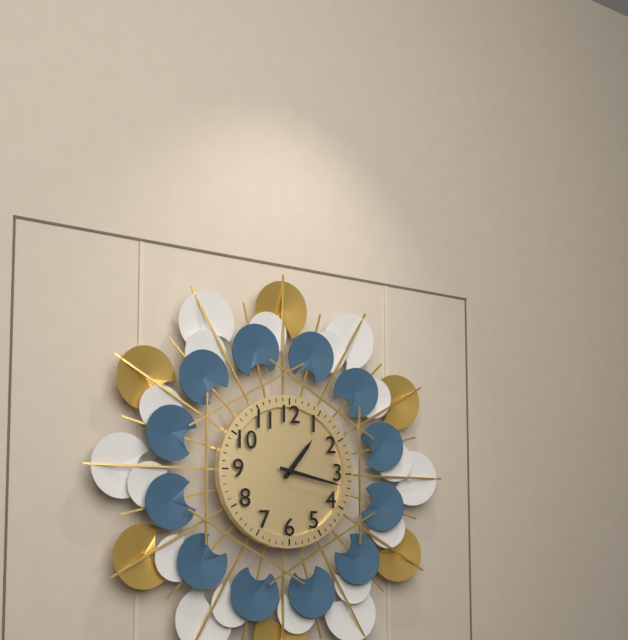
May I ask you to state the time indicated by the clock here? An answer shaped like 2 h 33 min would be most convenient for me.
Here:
1 h 17 min
